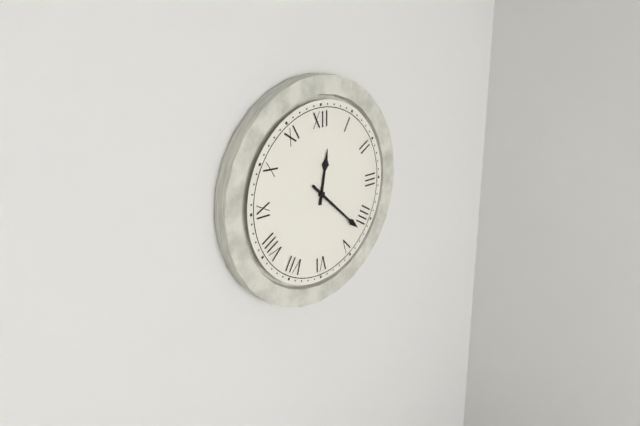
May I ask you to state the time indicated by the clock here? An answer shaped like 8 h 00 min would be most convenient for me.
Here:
12 h 22 min
